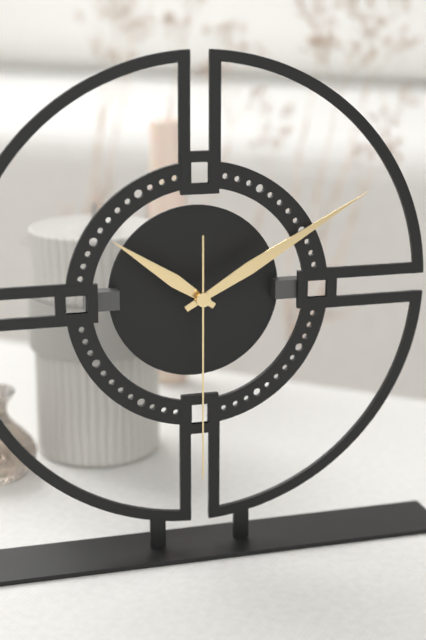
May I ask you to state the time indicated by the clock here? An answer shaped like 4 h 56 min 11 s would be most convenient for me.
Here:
10 h 10 min 30 s
